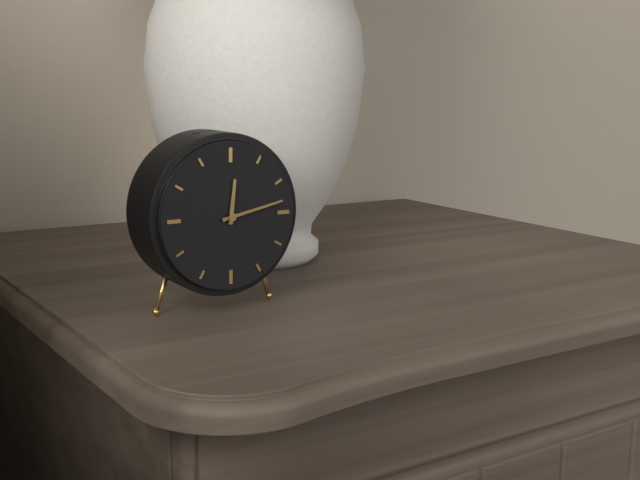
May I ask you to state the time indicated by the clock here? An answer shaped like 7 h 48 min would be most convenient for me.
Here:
12 h 13 min
